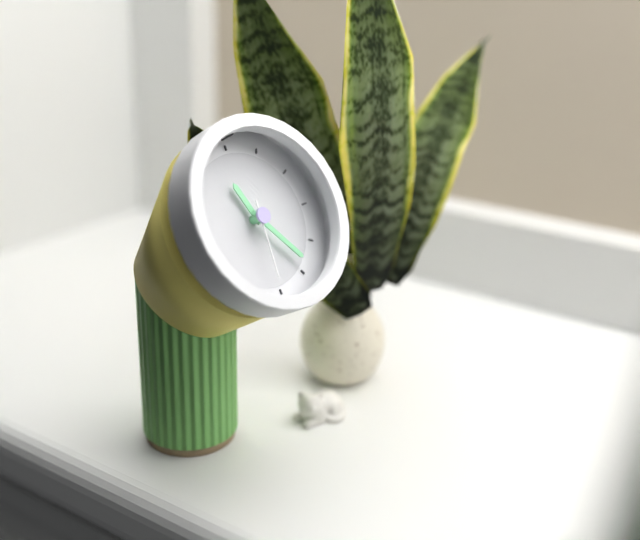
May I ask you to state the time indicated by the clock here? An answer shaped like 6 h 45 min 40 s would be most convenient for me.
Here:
11 h 24 min 31 s
